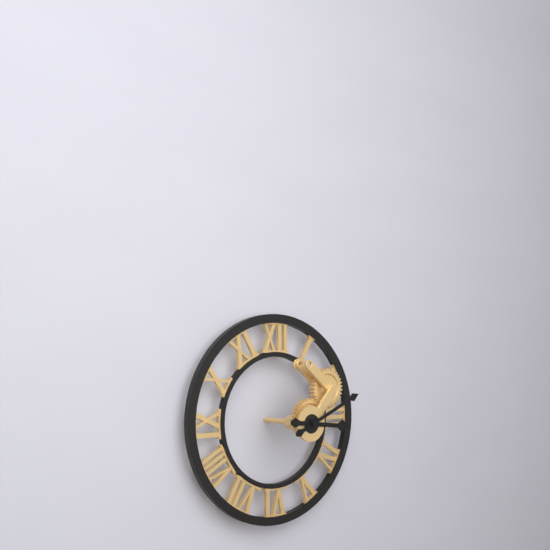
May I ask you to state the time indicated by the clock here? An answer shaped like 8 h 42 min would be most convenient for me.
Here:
3 h 11 min
